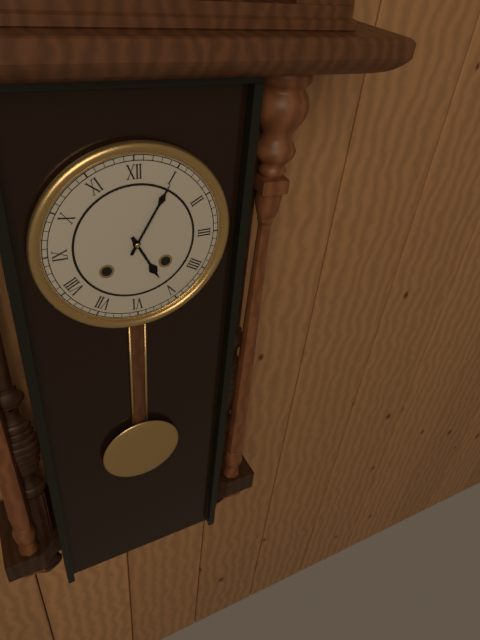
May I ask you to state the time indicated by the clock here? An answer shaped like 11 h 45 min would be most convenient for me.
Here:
5 h 05 min
